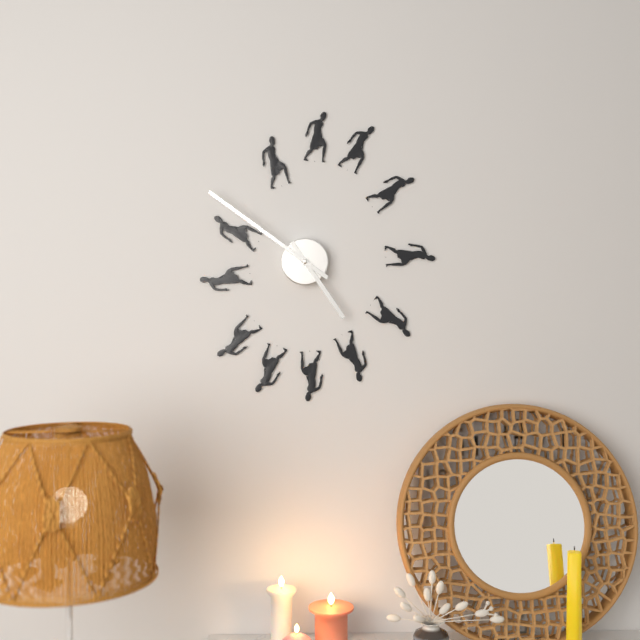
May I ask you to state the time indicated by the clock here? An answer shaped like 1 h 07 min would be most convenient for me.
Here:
4 h 51 min
